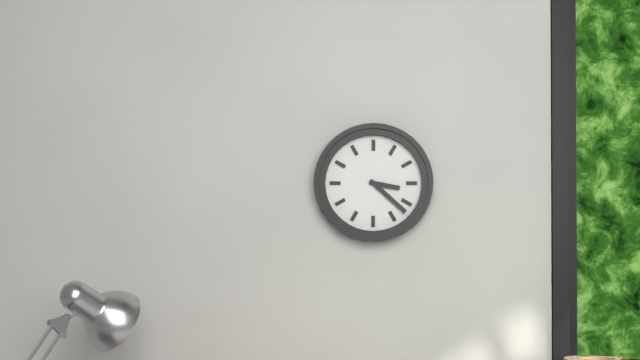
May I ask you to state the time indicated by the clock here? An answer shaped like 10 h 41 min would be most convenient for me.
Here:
3 h 22 min
